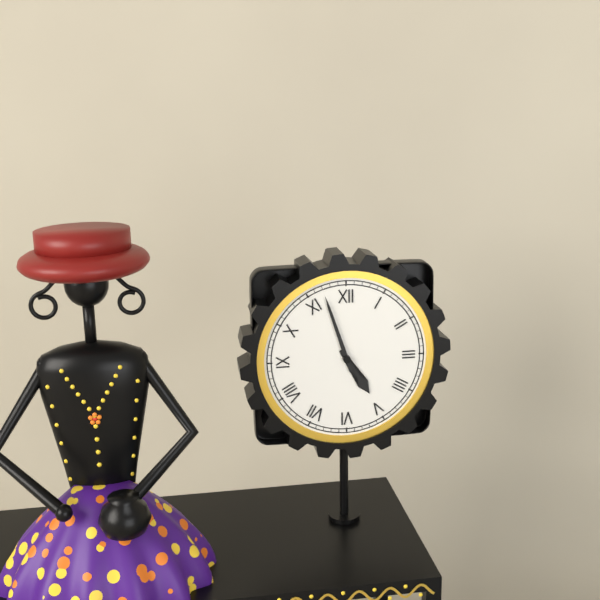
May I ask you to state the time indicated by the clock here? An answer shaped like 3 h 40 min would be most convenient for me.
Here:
4 h 57 min
